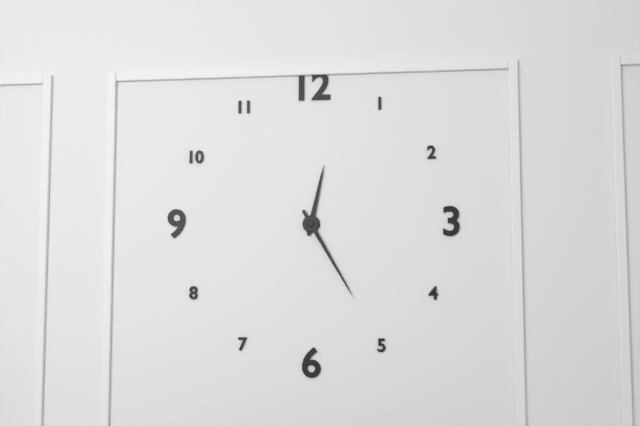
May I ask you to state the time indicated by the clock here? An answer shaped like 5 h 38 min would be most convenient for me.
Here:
12 h 25 min
